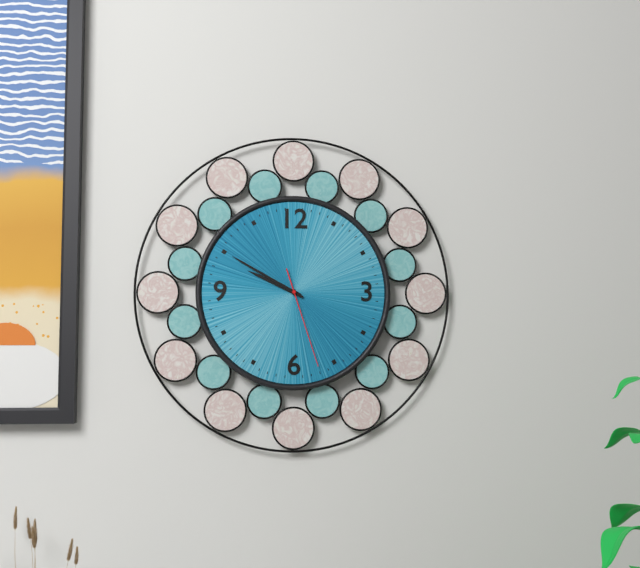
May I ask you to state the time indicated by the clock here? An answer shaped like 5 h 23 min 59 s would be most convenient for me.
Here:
9 h 50 min 27 s
